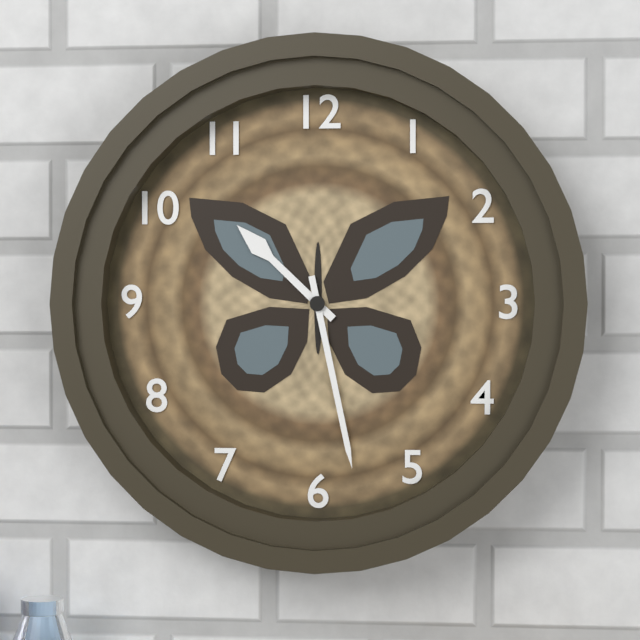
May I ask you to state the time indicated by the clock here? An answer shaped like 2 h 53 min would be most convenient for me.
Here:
10 h 28 min
